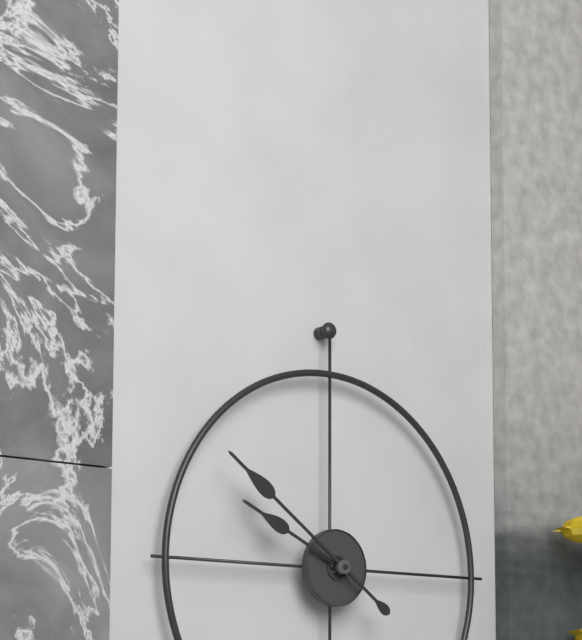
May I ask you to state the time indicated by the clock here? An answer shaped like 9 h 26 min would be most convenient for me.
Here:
9 h 51 min
